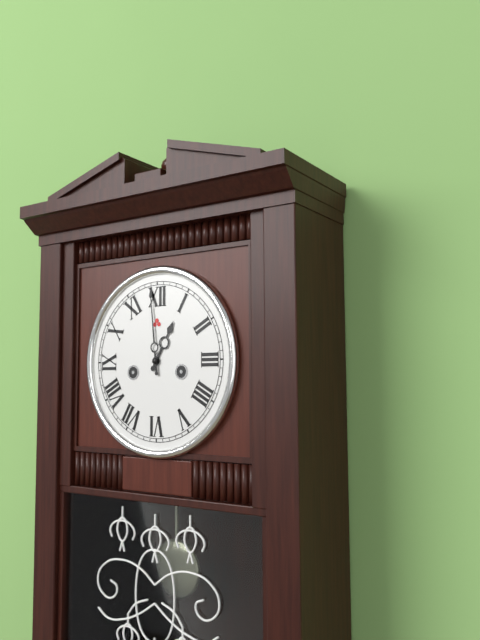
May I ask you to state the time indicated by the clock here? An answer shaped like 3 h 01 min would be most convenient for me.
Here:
12 h 59 min
